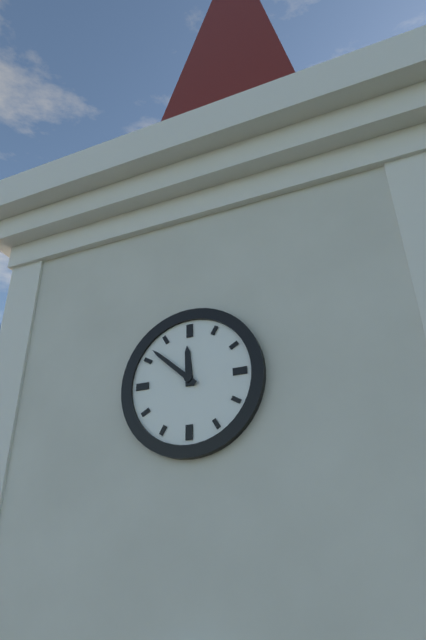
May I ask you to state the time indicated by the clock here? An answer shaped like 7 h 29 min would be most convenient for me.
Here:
11 h 52 min
